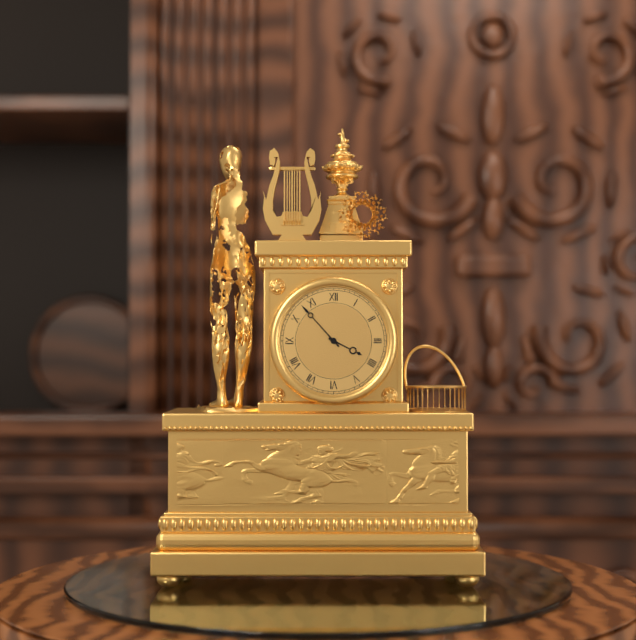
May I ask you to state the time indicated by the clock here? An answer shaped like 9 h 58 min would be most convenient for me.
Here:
3 h 53 min
